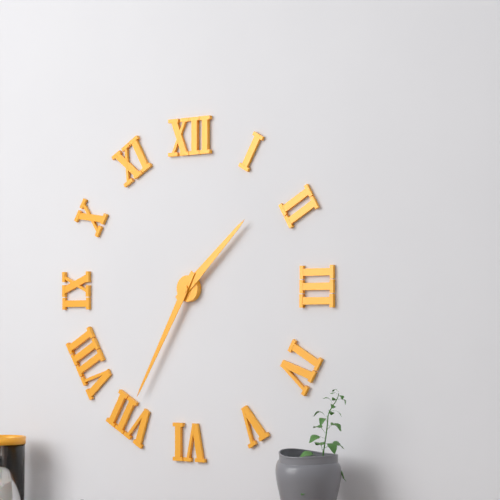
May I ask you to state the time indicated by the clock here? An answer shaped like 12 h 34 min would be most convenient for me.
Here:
1 h 35 min
